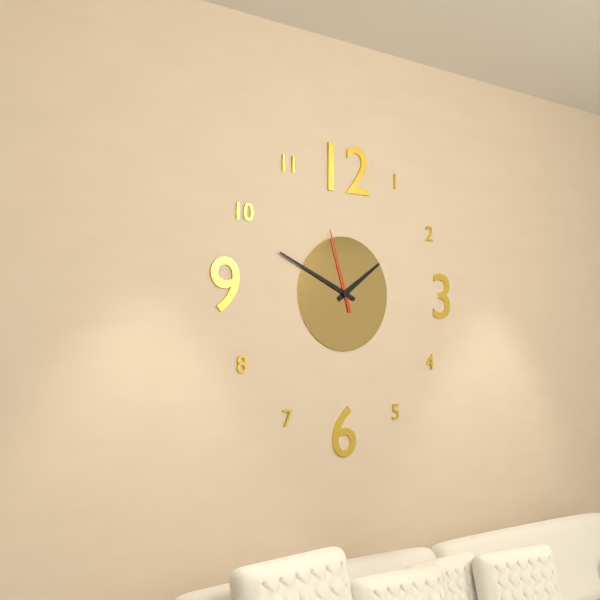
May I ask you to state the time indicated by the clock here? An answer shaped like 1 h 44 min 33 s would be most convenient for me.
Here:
1 h 49 min 57 s
